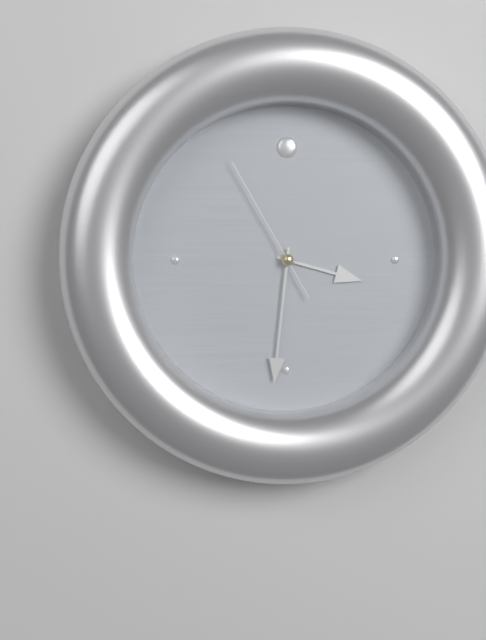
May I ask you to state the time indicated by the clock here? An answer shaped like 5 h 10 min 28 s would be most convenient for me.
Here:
3 h 31 min 55 s
